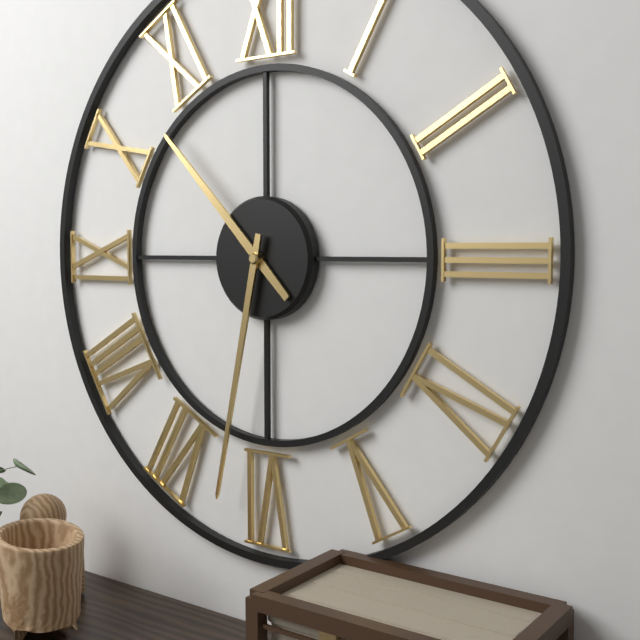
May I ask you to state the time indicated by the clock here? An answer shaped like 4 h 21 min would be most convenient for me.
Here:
10 h 32 min
